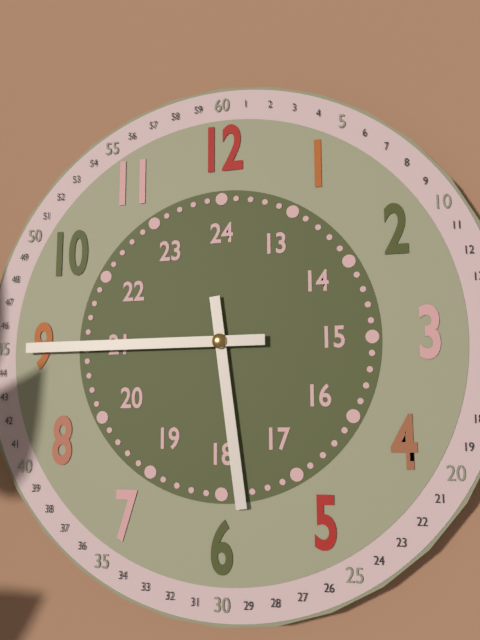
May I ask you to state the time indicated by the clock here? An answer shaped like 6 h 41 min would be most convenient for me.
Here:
5 h 45 min
